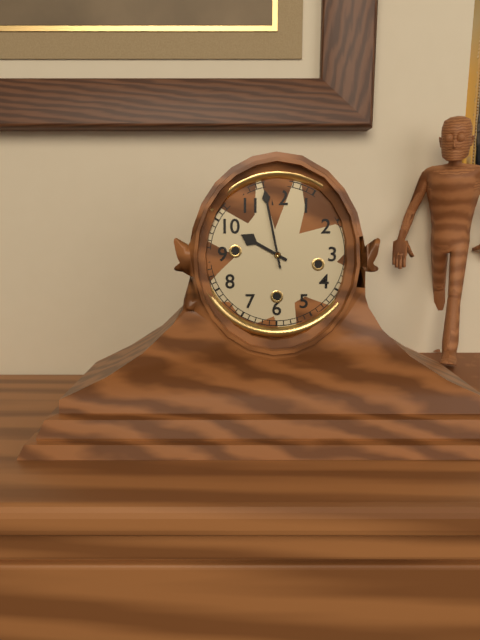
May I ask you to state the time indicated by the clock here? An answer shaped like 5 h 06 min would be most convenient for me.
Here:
9 h 58 min
